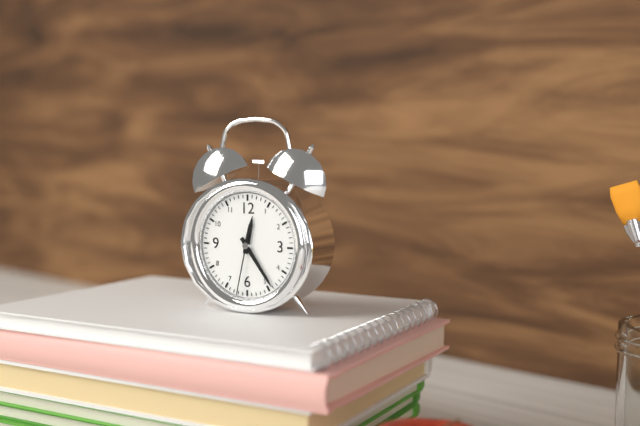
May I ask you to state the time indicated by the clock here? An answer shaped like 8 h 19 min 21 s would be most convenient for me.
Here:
12 h 24 min 32 s
